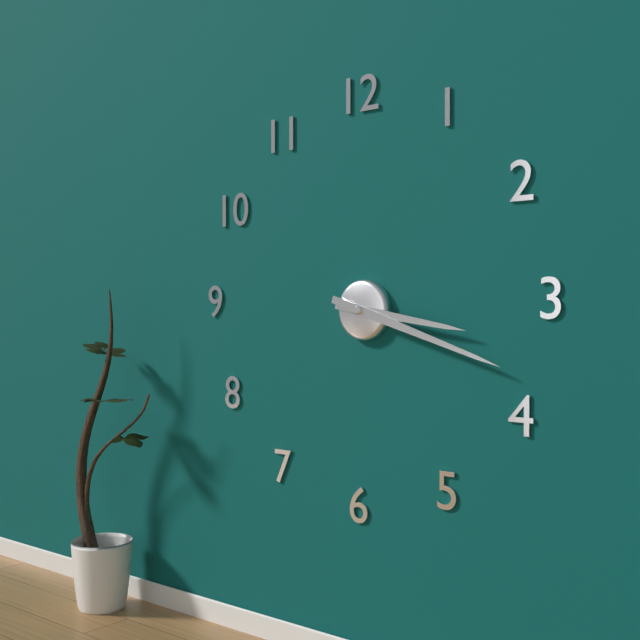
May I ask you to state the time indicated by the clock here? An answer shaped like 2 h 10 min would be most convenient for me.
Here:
3 h 18 min
